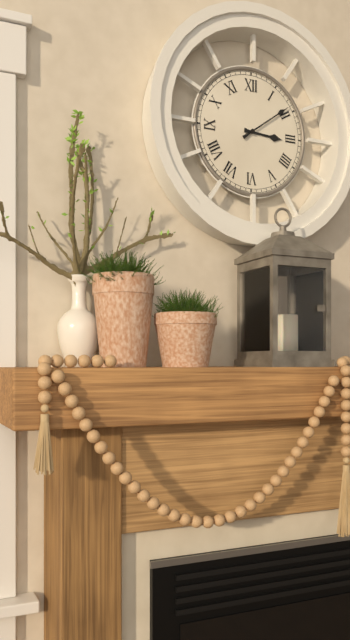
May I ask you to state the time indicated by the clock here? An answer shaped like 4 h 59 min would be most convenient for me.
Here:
3 h 09 min
